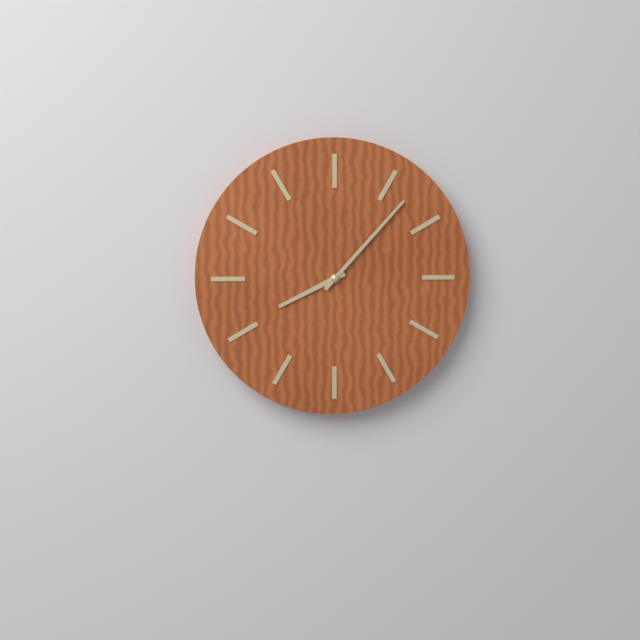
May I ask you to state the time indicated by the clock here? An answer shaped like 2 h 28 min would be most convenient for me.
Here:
8 h 07 min
